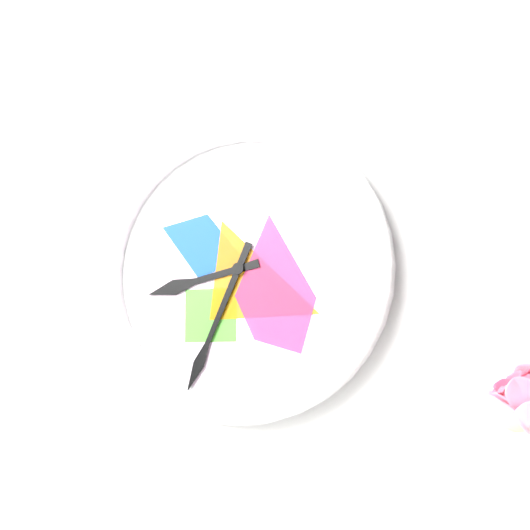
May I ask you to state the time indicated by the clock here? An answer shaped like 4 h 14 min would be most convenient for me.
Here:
8 h 34 min
